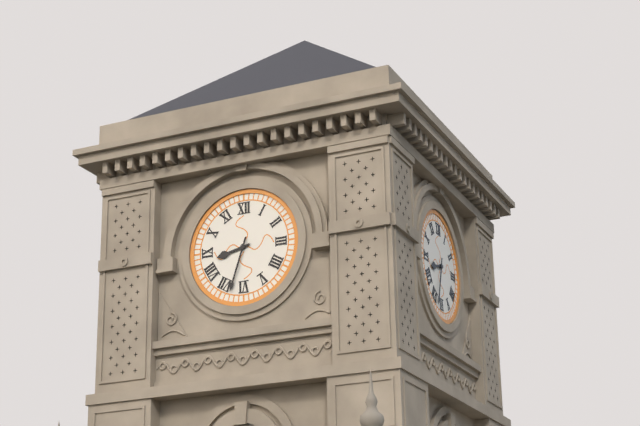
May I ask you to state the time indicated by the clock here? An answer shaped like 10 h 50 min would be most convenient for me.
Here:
8 h 33 min
